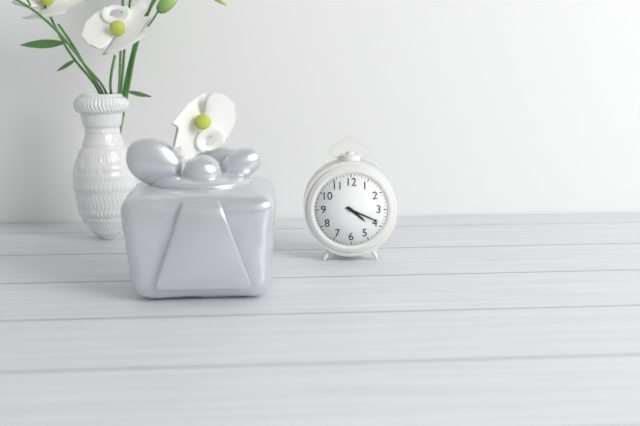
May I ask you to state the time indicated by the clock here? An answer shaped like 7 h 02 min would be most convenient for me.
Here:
4 h 19 min
